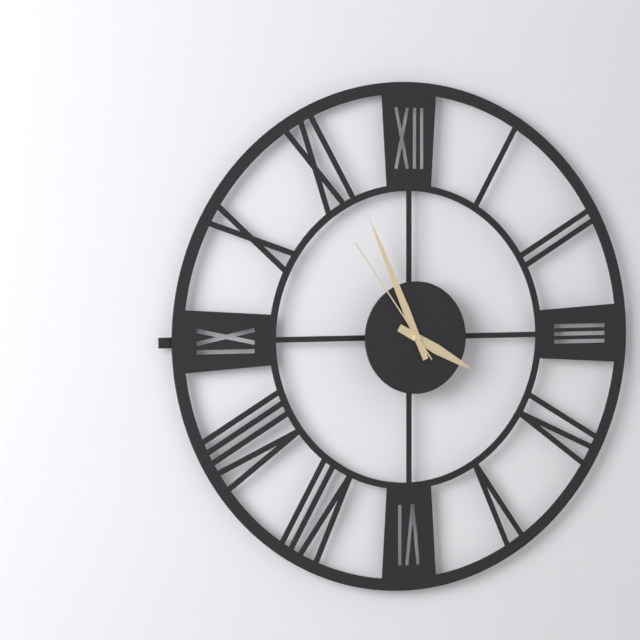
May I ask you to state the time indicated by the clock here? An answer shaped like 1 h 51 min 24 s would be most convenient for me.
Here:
3 h 56 min 54 s
